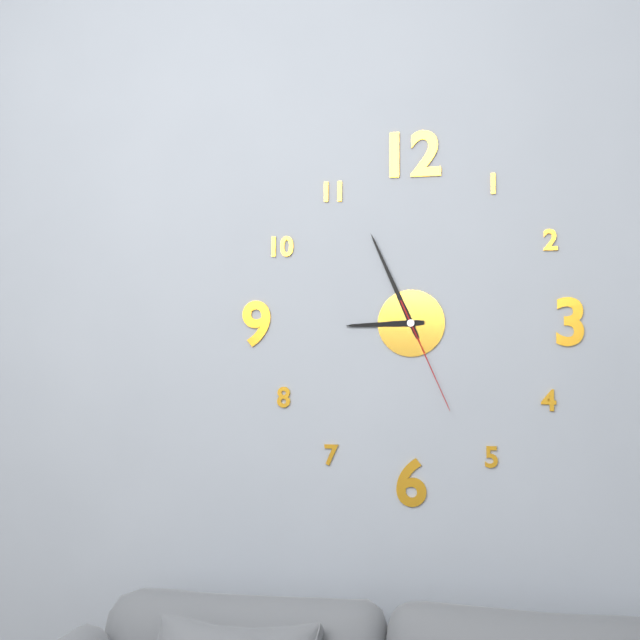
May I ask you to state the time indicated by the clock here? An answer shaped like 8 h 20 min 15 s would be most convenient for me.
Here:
8 h 56 min 26 s
